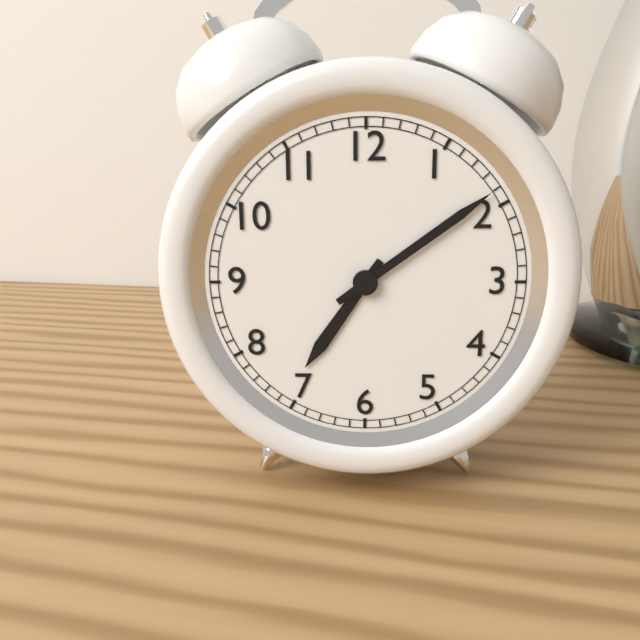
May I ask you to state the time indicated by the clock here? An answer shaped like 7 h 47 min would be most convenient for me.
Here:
7 h 09 min
